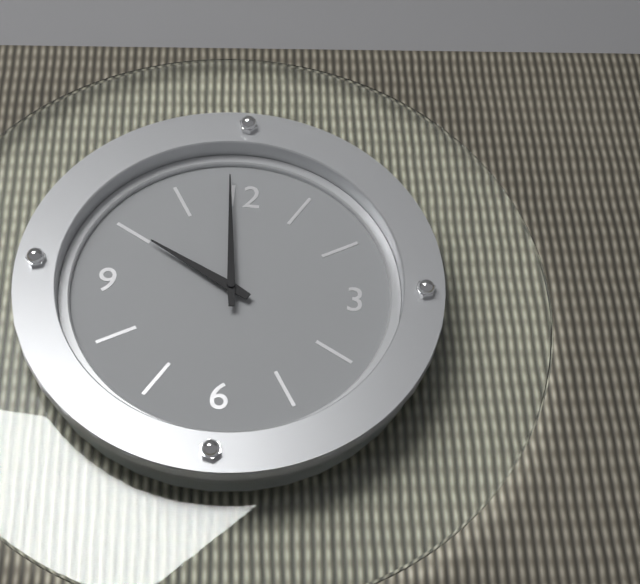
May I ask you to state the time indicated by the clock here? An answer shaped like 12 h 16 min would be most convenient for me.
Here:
9 h 59 min
